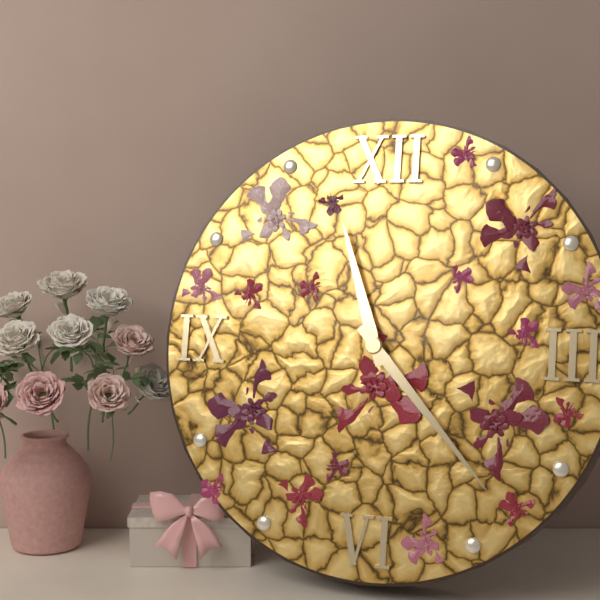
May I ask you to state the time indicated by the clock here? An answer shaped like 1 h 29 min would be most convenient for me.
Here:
11 h 23 min
